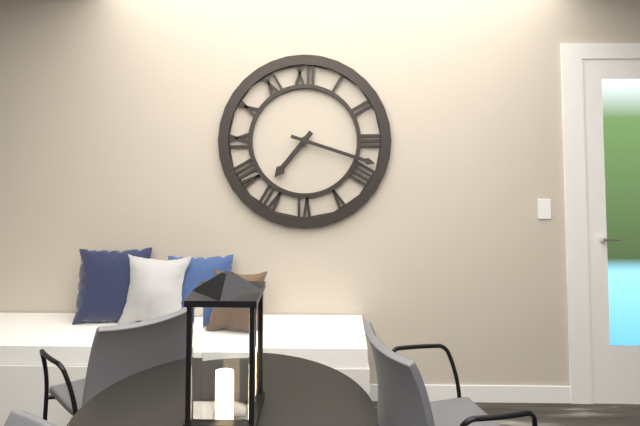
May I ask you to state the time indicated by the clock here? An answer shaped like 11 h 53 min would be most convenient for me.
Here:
7 h 18 min
